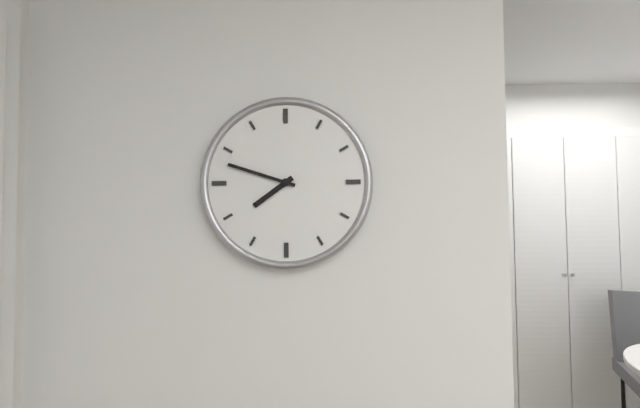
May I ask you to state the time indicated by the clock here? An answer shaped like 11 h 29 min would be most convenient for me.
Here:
7 h 48 min
